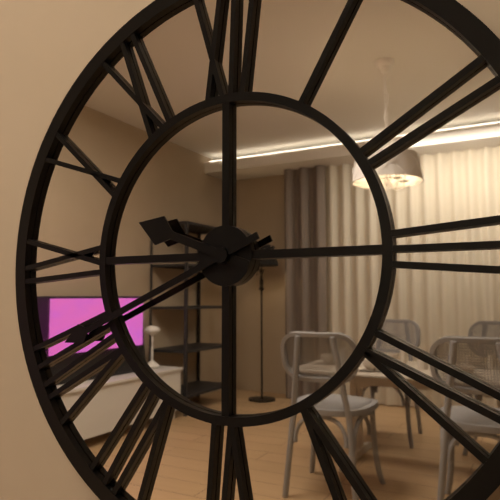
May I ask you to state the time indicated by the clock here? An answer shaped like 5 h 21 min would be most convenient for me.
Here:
9 h 41 min
